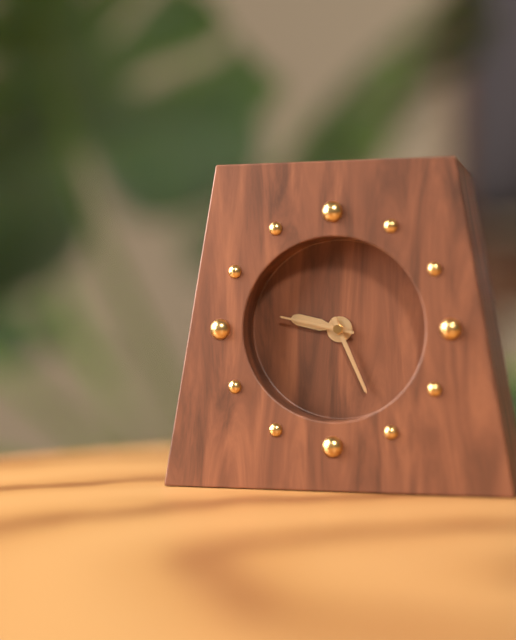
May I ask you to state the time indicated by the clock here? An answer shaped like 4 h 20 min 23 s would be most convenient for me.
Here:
9 h 26 min 47 s
